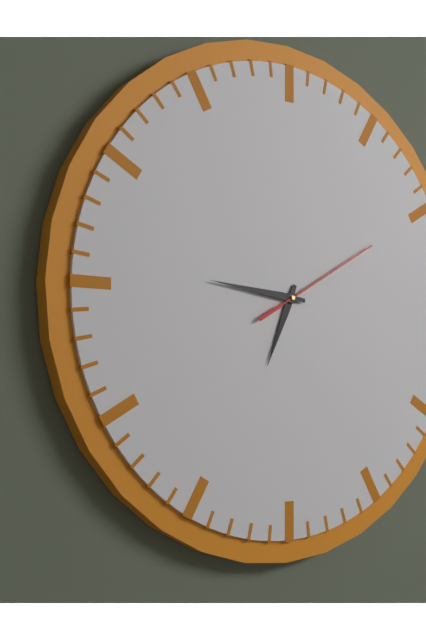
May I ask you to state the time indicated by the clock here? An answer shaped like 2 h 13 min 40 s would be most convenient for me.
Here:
6 h 46 min 10 s
